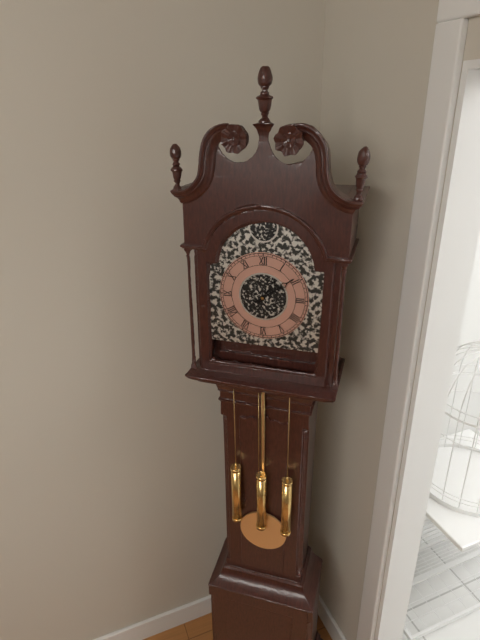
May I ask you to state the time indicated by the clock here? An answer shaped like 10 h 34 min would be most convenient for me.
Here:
1 h 09 min
